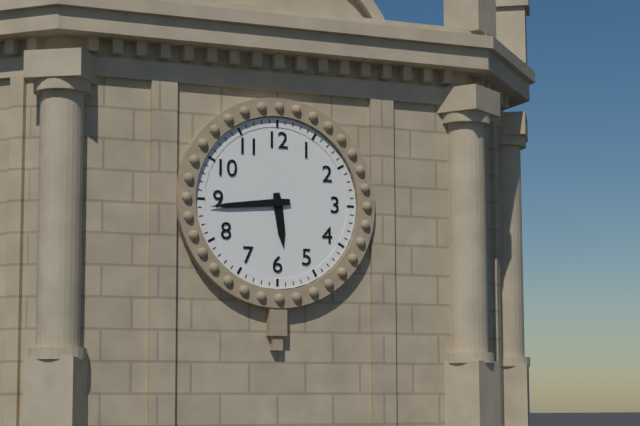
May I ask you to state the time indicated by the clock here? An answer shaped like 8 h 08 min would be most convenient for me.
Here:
5 h 44 min
